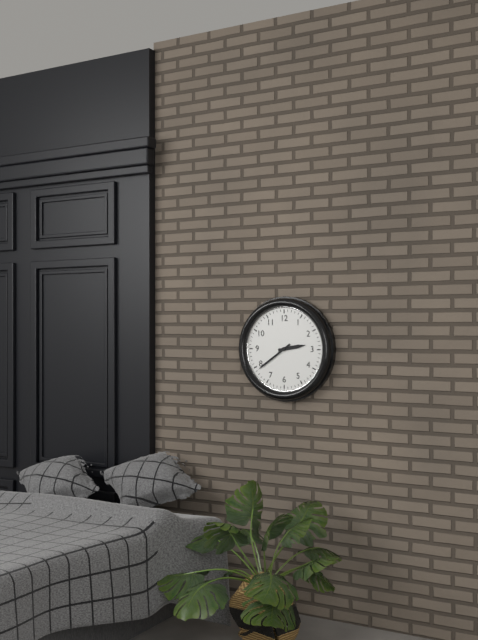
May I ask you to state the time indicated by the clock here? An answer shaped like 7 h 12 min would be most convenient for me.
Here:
2 h 39 min
